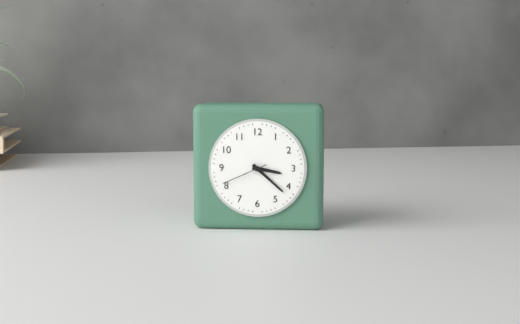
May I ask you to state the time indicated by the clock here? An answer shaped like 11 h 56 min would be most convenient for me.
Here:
3 h 22 min
